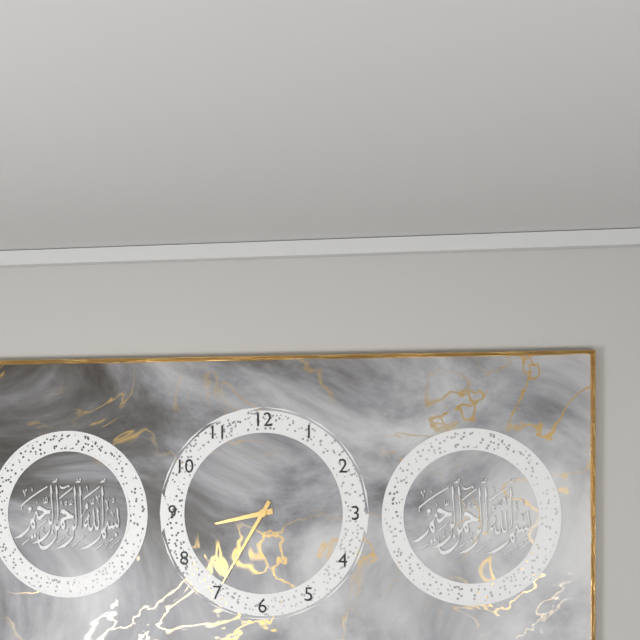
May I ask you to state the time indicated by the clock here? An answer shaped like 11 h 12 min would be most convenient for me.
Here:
8 h 35 min
